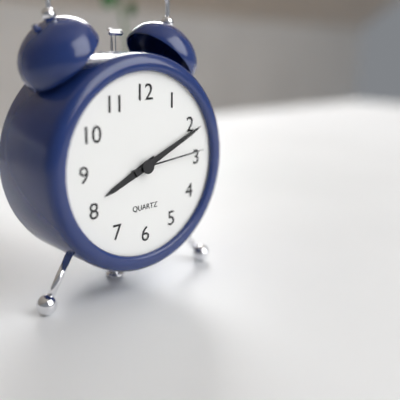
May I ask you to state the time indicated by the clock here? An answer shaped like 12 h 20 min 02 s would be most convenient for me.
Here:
8 h 11 min 14 s
